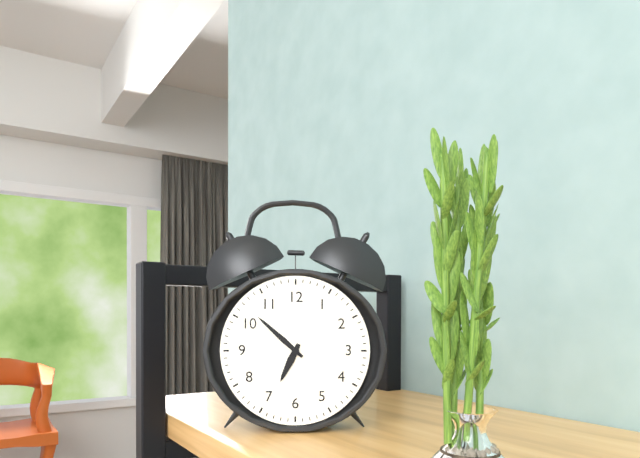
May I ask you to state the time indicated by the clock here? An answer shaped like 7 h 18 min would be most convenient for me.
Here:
6 h 52 min
